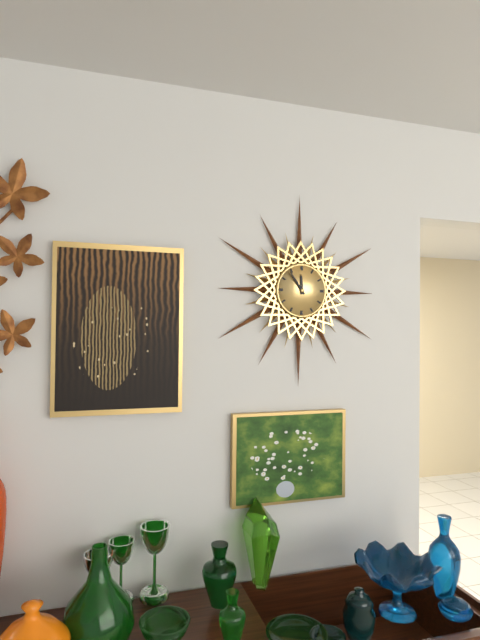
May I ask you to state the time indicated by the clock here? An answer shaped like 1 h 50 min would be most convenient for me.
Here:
11 h 54 min
